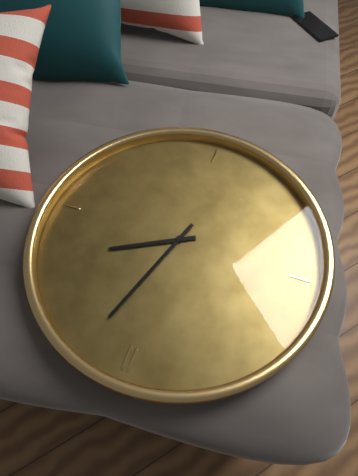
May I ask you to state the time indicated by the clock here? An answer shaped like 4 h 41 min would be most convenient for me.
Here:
2 h 03 min
